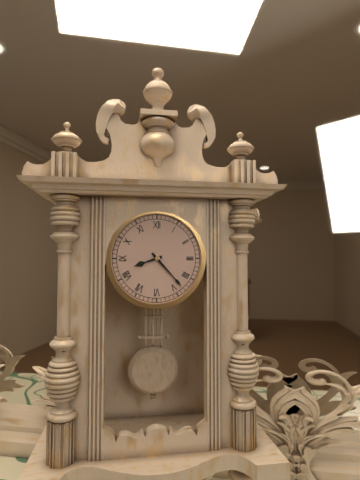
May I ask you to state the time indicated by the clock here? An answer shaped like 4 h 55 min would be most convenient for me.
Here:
8 h 23 min
